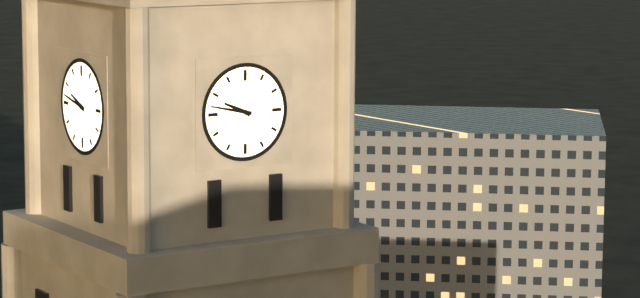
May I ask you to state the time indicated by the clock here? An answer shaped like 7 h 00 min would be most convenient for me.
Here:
9 h 47 min
